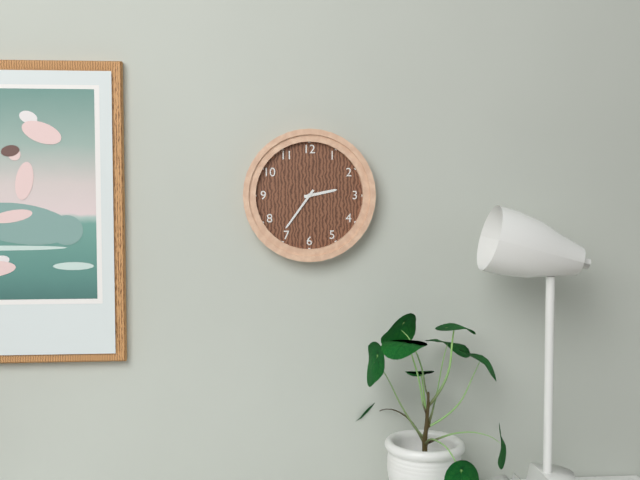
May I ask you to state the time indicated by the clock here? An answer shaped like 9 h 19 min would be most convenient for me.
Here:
2 h 36 min
